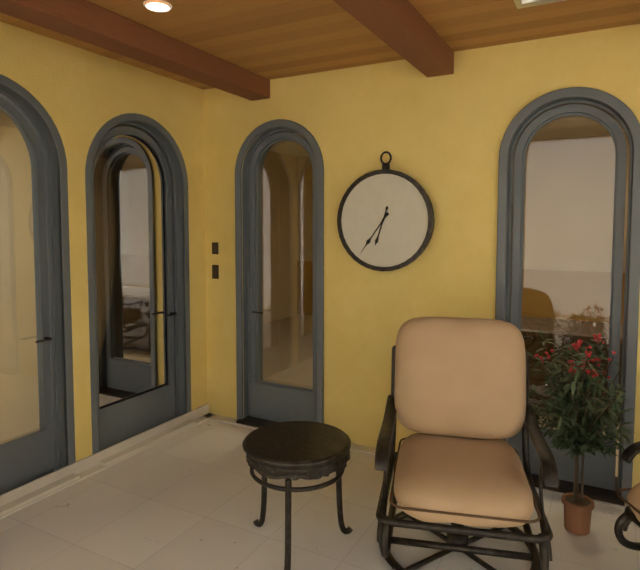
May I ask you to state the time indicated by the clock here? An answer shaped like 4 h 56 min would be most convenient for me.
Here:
6 h 36 min
